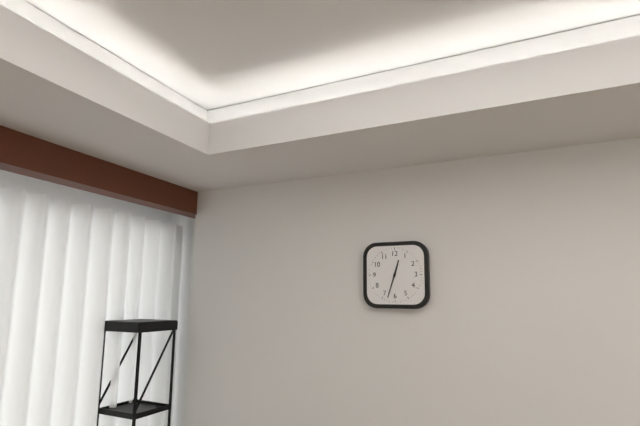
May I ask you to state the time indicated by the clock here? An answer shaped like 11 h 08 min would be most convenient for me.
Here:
12 h 33 min
